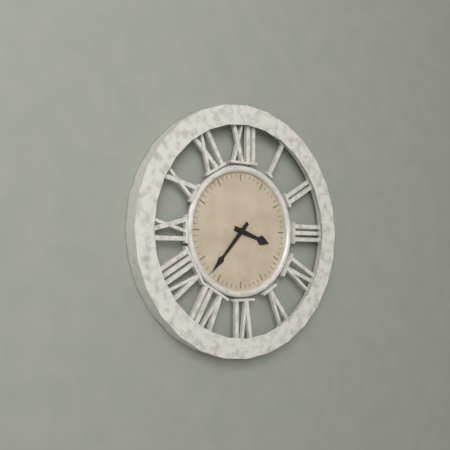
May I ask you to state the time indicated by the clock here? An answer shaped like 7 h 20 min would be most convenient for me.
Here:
3 h 37 min
